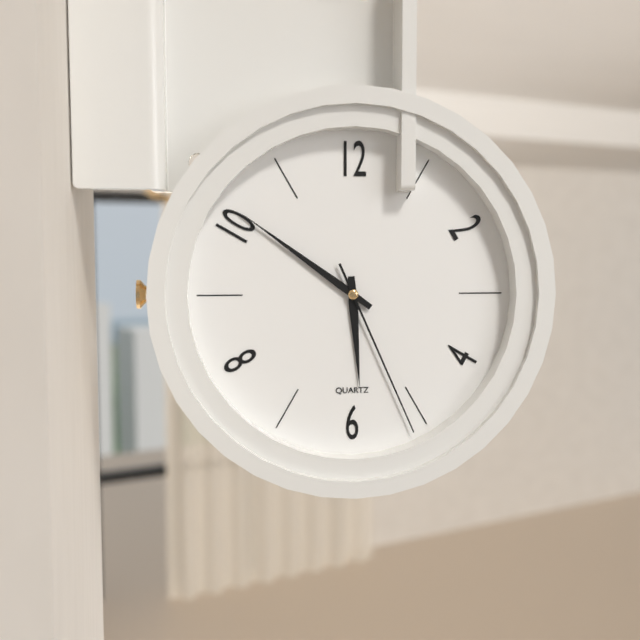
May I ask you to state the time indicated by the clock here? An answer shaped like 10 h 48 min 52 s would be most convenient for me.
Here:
5 h 51 min 26 s
